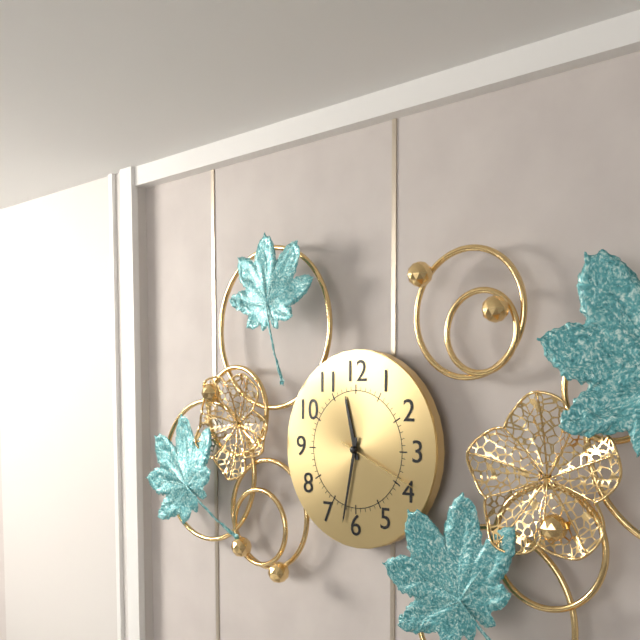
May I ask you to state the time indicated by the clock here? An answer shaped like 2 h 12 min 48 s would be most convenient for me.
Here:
11 h 32 min 19 s
